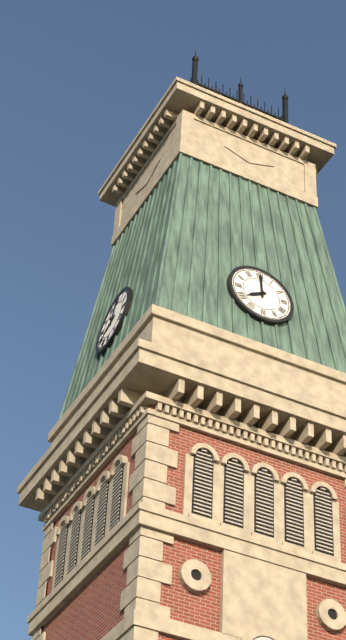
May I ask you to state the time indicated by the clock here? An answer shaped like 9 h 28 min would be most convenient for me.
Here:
8 h 00 min
